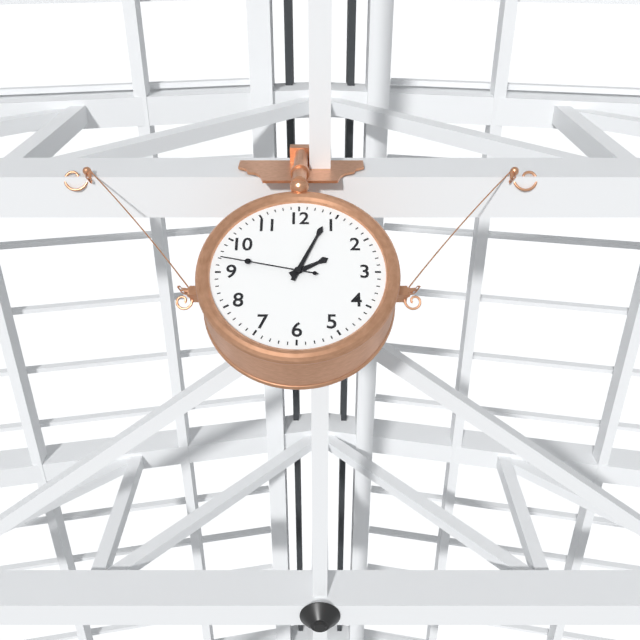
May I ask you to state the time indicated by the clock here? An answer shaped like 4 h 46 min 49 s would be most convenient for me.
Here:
2 h 04 min 47 s
